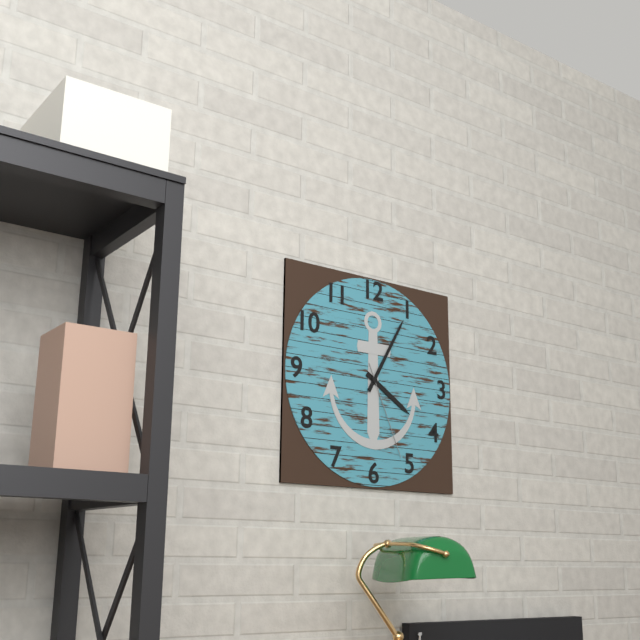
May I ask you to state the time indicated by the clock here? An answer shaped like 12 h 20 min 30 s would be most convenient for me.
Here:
4 h 05 min 26 s
